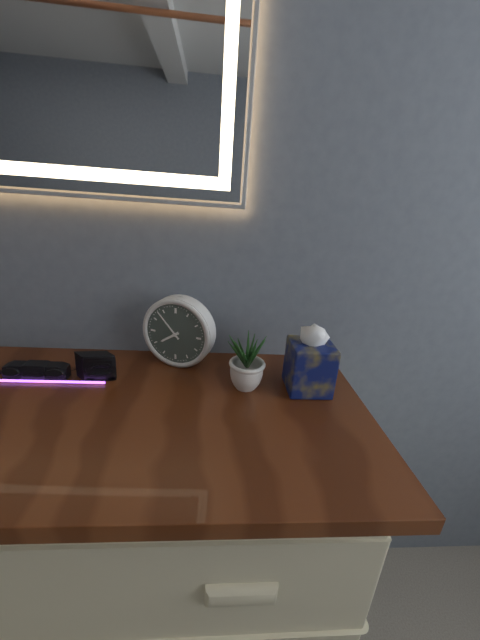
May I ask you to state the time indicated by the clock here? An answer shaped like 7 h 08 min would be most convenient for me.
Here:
7 h 53 min
